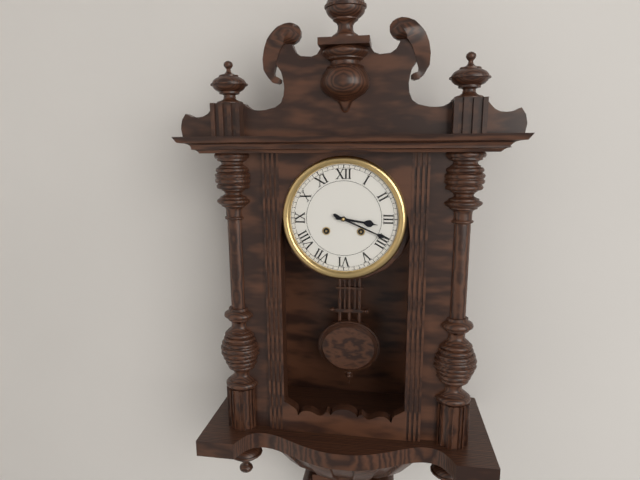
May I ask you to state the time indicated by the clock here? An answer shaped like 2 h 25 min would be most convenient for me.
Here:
3 h 19 min
